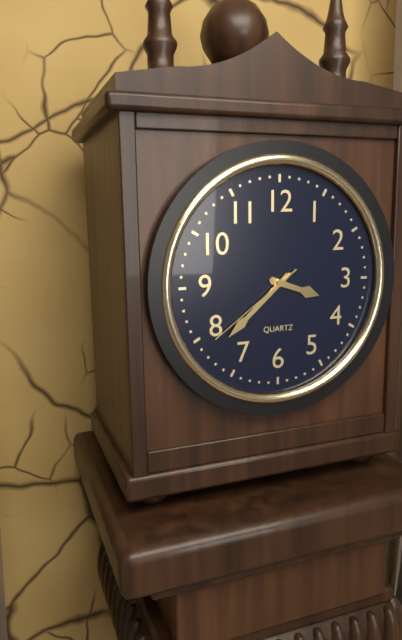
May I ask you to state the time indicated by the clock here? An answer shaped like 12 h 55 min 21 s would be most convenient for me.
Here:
3 h 38 min 39 s
